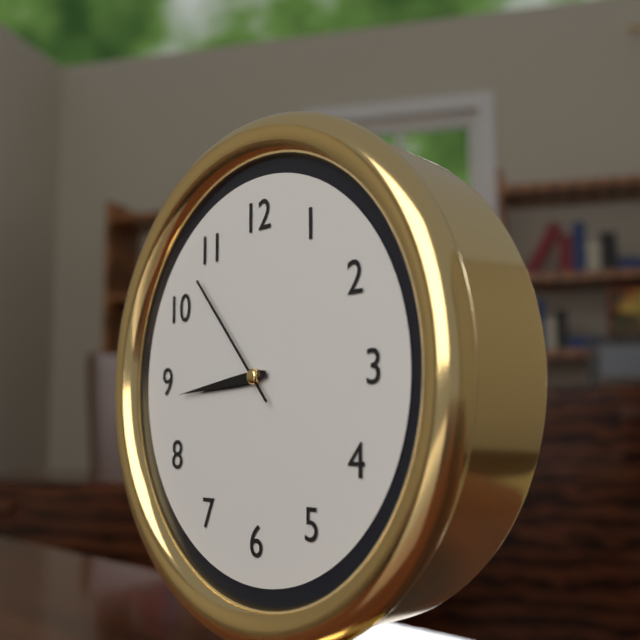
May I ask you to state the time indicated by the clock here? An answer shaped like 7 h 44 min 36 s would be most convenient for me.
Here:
8 h 44 min 53 s
